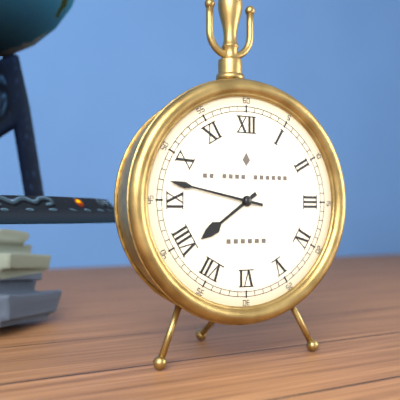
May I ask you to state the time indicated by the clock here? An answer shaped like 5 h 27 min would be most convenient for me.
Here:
7 h 47 min
